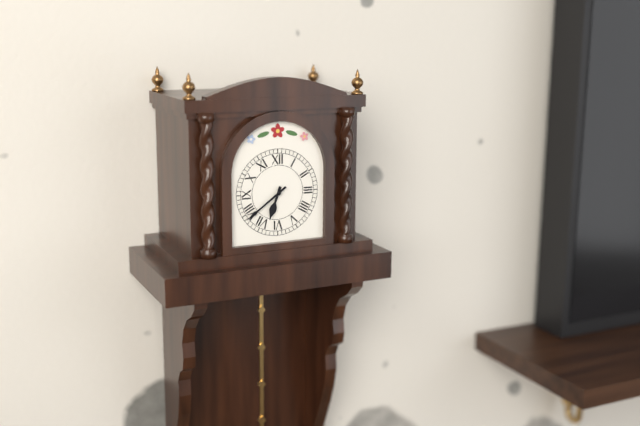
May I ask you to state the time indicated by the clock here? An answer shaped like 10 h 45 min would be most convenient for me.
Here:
6 h 39 min
